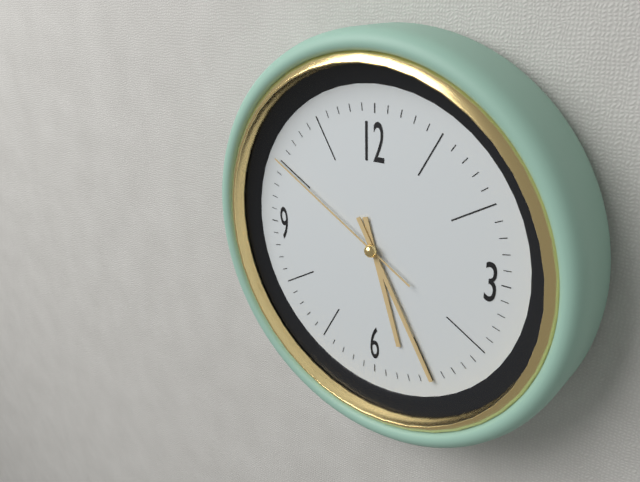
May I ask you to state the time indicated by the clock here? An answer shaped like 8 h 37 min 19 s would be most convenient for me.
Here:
5 h 25 min 50 s
